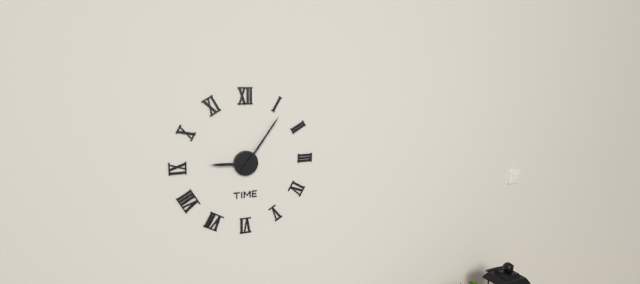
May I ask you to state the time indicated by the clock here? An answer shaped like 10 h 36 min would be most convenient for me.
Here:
9 h 06 min
